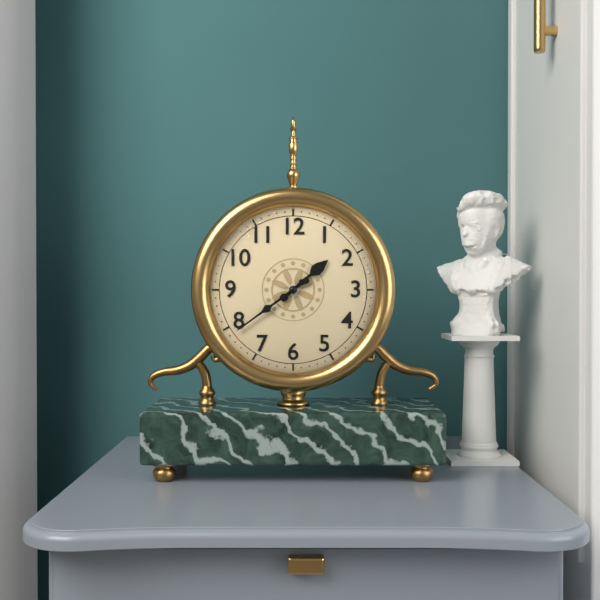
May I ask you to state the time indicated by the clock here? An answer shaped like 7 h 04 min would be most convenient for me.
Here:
1 h 39 min
